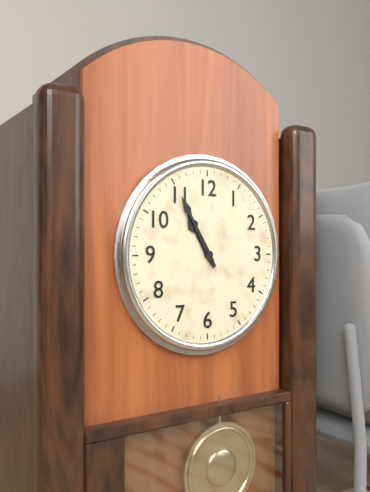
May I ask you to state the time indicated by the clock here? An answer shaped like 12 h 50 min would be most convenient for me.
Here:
10 h 55 min
